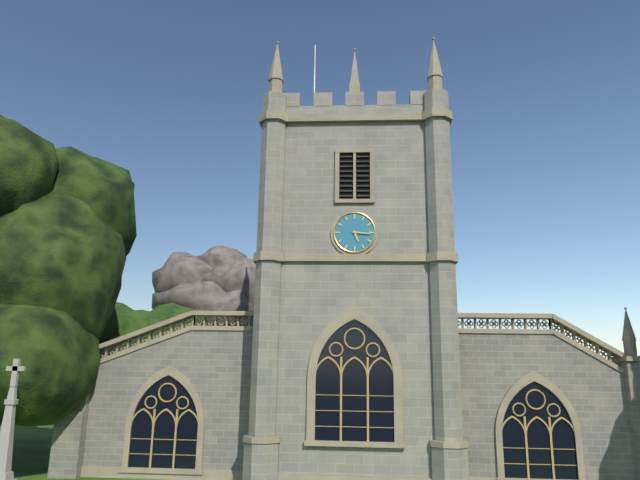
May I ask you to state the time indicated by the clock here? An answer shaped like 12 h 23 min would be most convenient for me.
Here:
5 h 16 min
